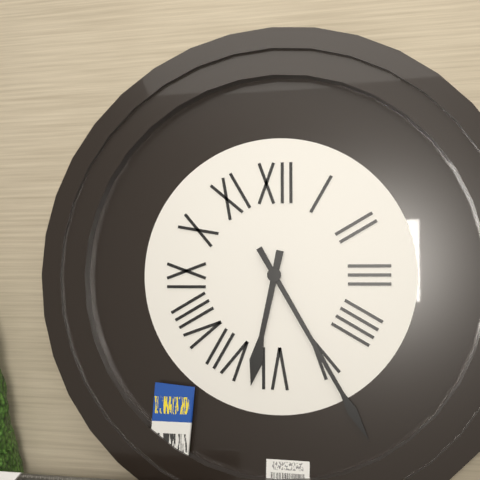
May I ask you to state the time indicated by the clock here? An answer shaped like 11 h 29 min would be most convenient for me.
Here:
6 h 25 min
